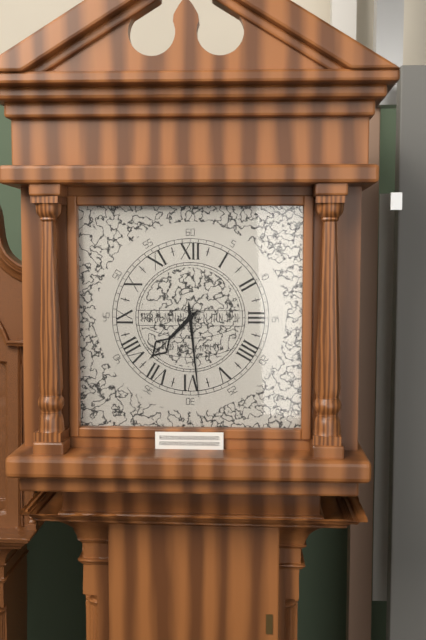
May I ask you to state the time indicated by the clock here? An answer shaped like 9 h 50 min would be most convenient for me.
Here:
7 h 29 min
